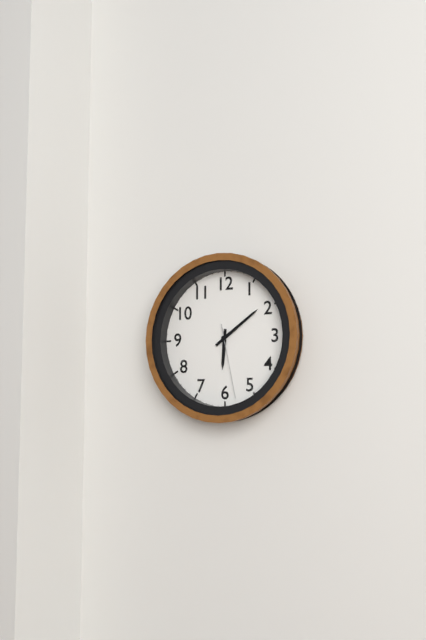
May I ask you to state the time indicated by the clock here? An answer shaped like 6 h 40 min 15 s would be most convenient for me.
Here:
6 h 09 min 28 s
